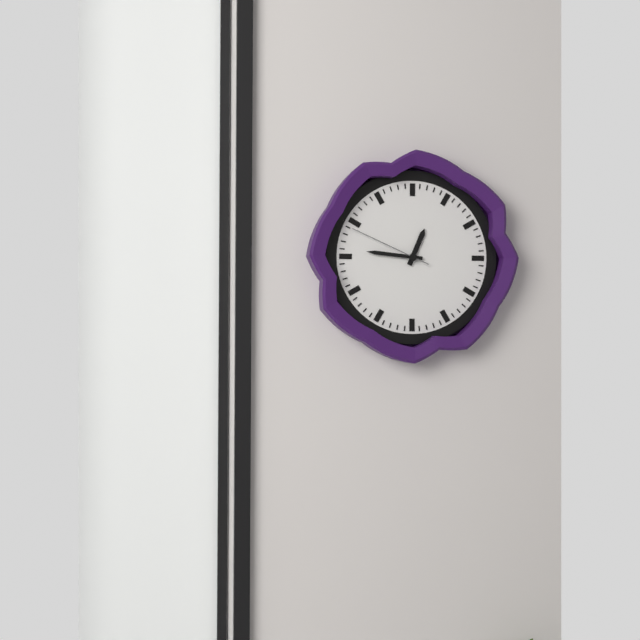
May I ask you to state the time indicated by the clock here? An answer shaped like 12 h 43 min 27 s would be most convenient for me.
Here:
12 h 46 min 49 s
